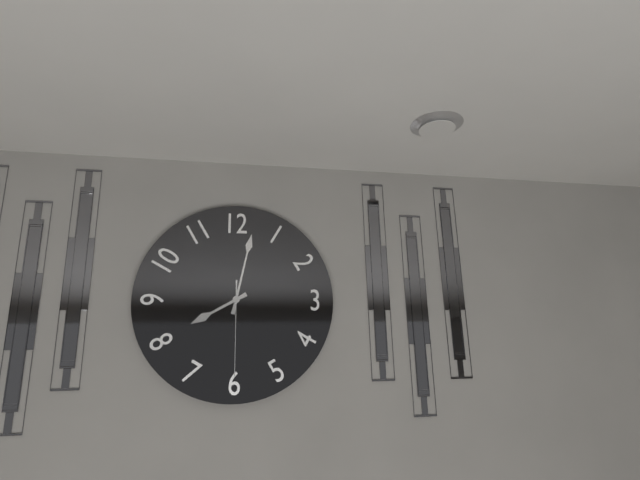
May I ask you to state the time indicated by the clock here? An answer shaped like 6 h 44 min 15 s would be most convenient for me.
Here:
8 h 02 min 30 s
